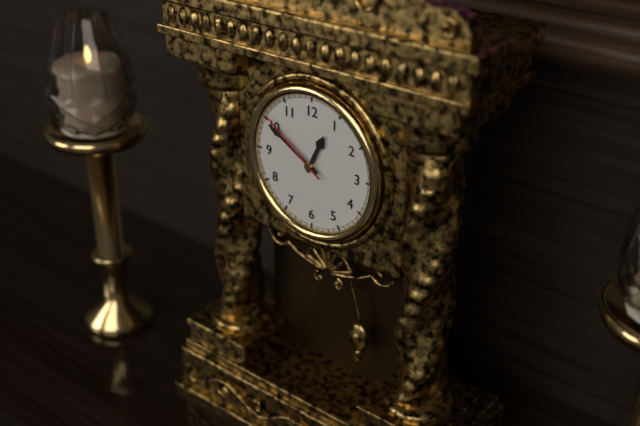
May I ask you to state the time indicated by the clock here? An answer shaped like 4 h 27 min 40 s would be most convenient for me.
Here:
12 h 50 min 51 s
